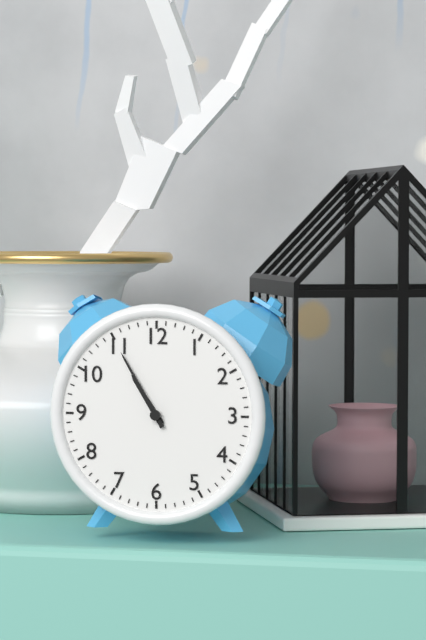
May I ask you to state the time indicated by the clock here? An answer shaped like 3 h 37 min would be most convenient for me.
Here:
10 h 55 min
